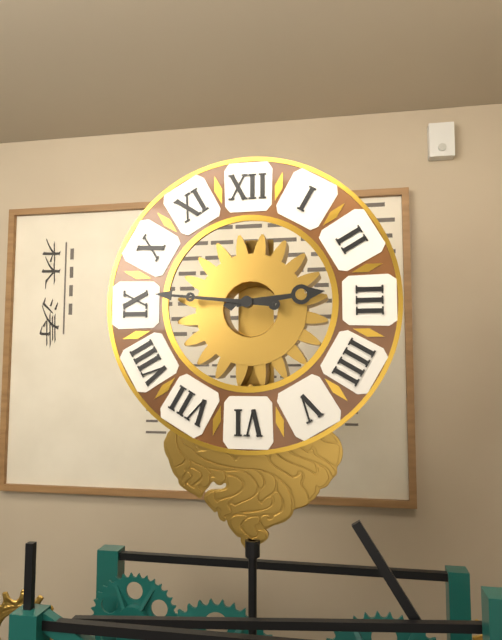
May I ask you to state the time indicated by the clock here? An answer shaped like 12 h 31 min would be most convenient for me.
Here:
2 h 46 min
